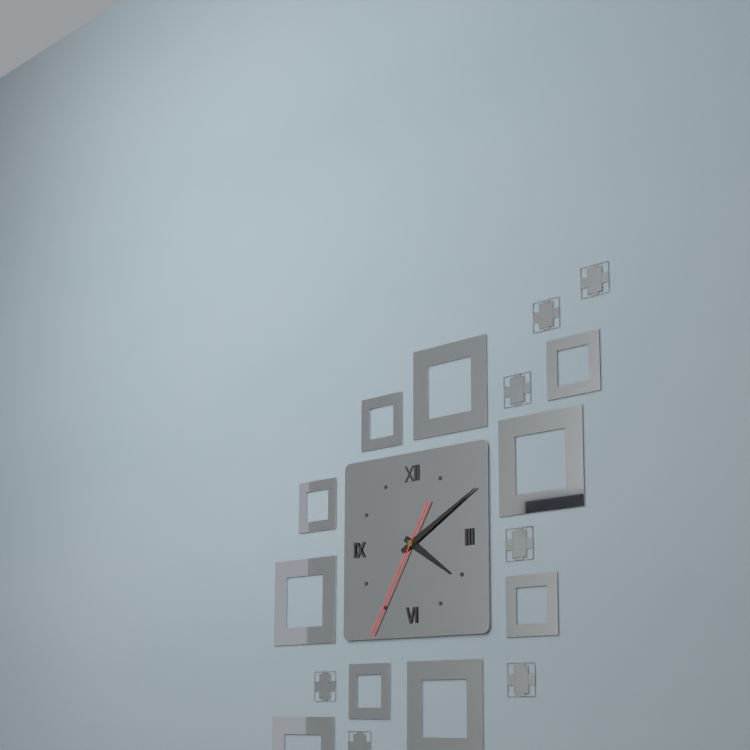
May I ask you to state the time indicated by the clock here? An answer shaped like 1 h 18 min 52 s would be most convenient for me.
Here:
4 h 10 min 35 s
